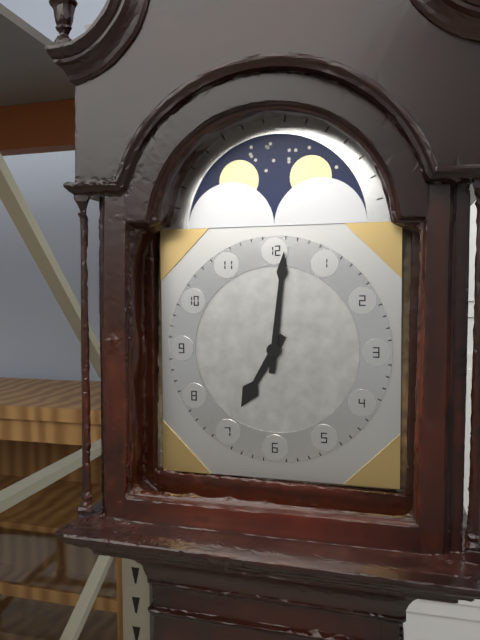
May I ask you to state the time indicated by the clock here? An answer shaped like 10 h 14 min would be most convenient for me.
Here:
7 h 01 min
